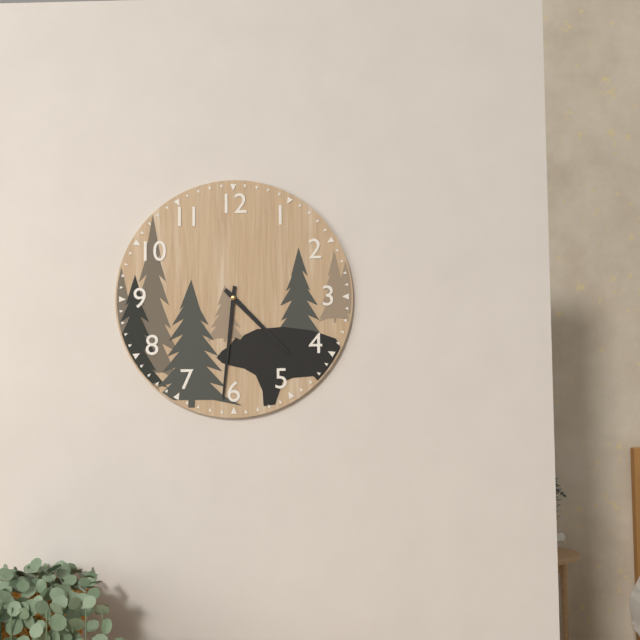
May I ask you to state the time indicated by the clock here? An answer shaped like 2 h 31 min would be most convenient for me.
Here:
4 h 31 min
